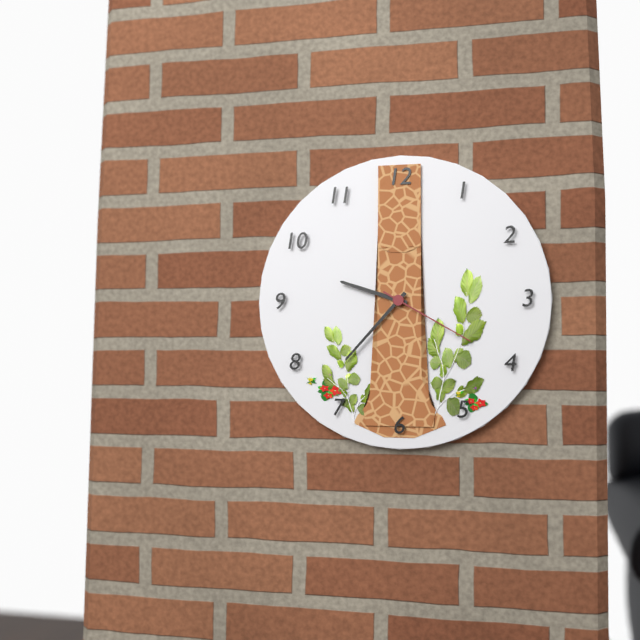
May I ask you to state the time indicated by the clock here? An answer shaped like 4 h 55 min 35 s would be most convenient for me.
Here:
9 h 37 min 20 s
